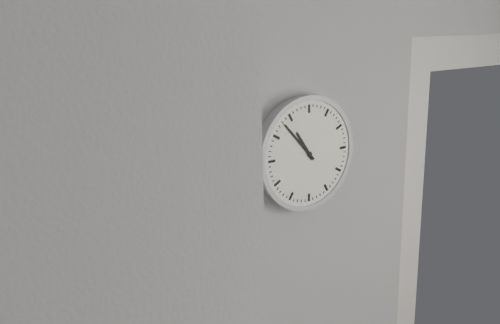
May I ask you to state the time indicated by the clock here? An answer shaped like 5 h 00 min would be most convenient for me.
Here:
10 h 53 min
